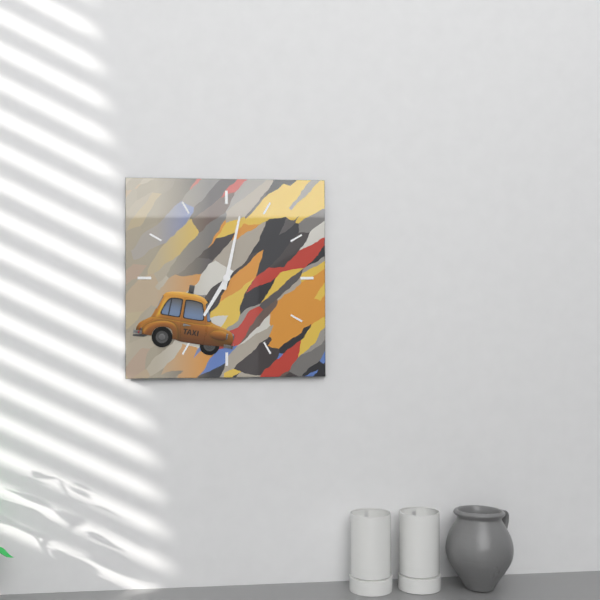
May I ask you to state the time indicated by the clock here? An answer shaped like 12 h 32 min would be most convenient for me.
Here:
7 h 02 min
